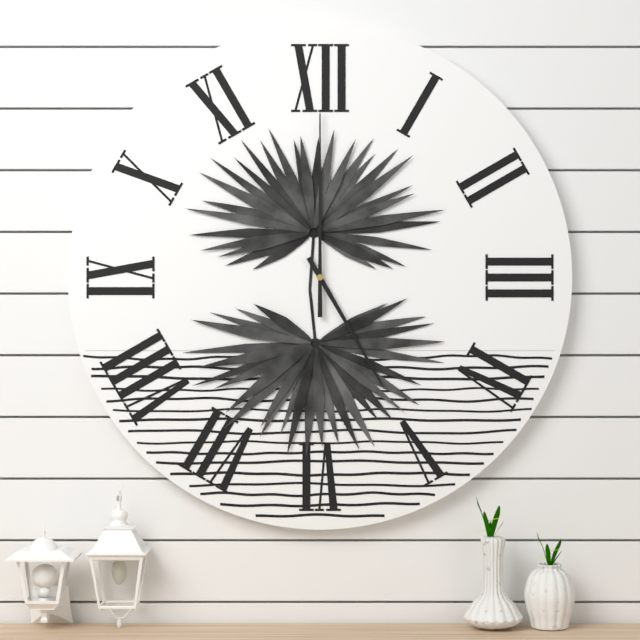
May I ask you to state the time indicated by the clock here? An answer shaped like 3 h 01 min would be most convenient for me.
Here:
5 h 00 min
